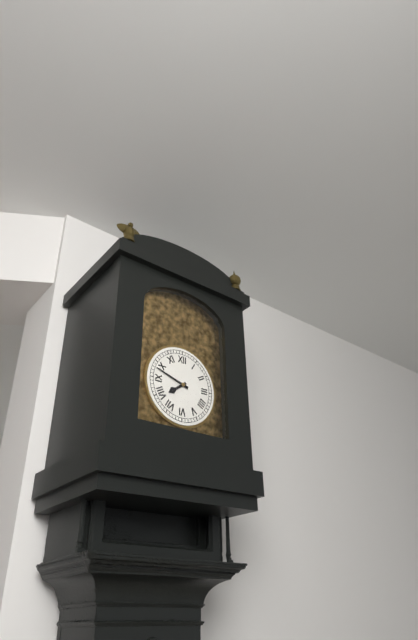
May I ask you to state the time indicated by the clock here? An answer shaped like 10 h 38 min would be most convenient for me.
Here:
7 h 48 min
